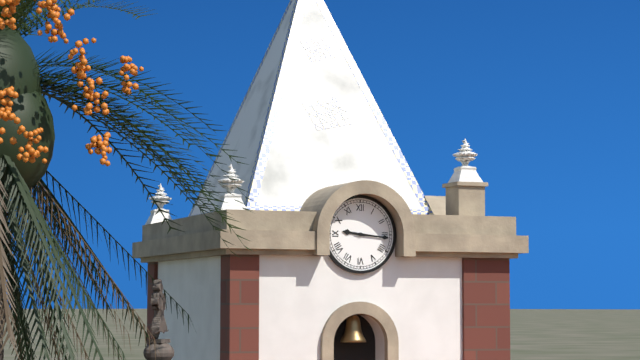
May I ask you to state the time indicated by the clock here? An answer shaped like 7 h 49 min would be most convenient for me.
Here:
9 h 16 min
